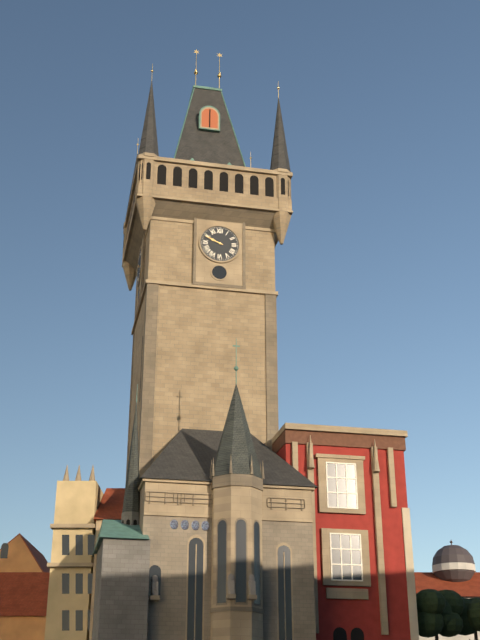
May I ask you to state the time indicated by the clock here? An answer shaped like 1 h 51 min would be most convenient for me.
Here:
9 h 49 min
